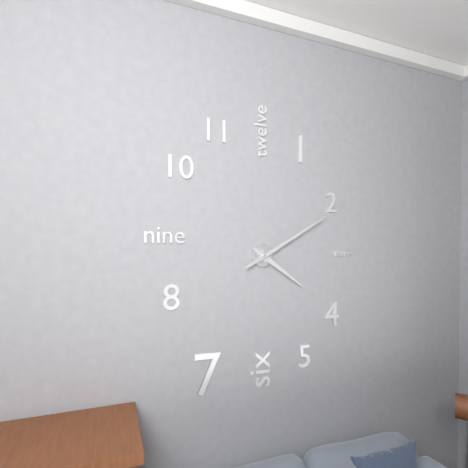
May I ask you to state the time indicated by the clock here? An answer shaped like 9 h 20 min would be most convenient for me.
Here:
4 h 10 min
